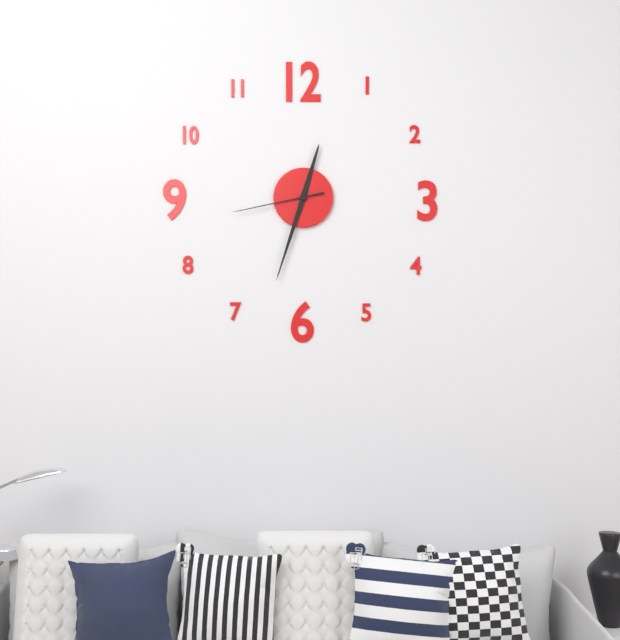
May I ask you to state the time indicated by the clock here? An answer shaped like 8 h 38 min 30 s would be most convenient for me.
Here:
12 h 33 min 43 s
